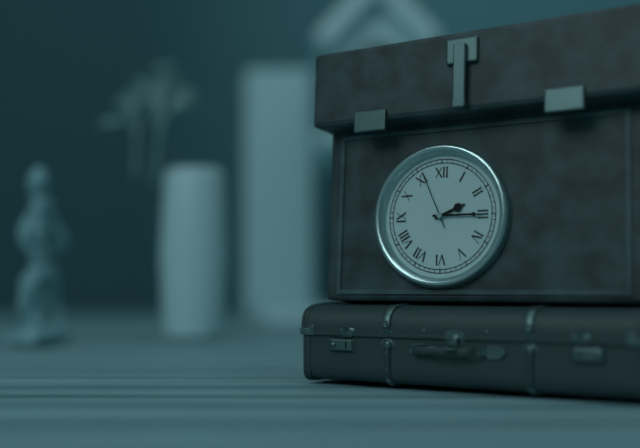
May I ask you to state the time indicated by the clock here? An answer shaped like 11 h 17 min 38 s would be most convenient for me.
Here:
2 h 15 min 56 s
